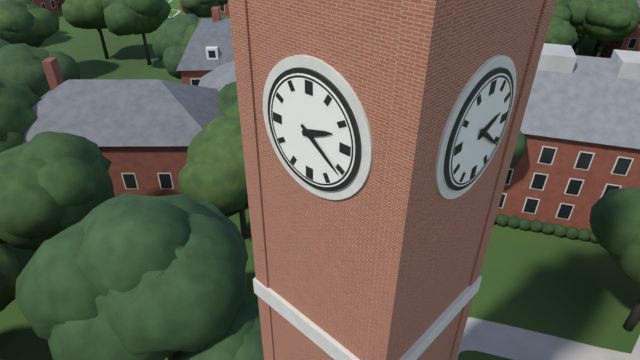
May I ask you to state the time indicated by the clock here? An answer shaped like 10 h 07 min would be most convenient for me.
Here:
2 h 21 min
